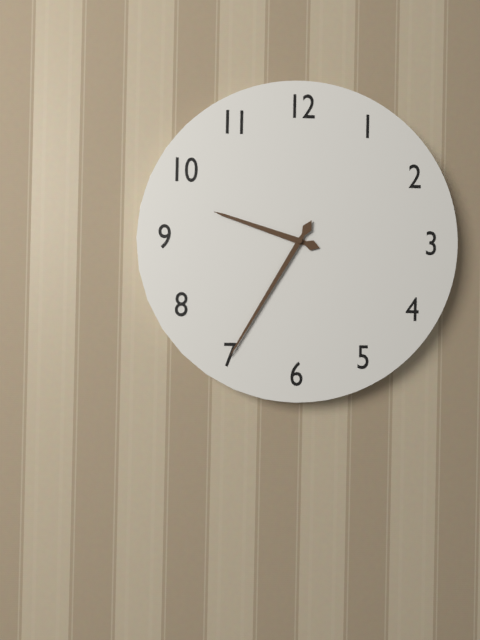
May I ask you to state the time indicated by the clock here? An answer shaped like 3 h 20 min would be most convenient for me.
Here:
9 h 35 min
